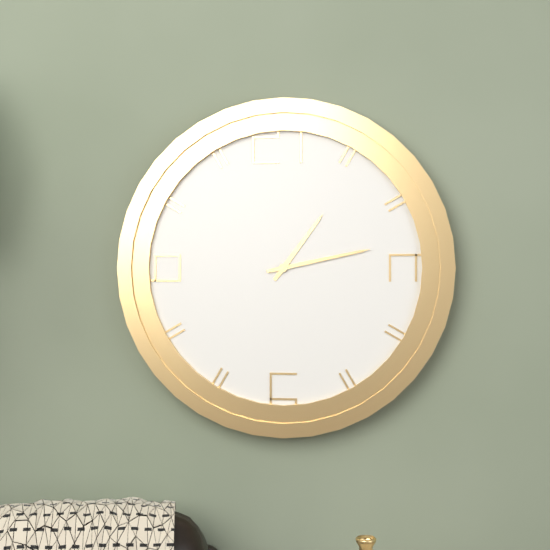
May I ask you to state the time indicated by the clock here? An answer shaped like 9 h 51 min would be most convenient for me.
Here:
1 h 13 min
